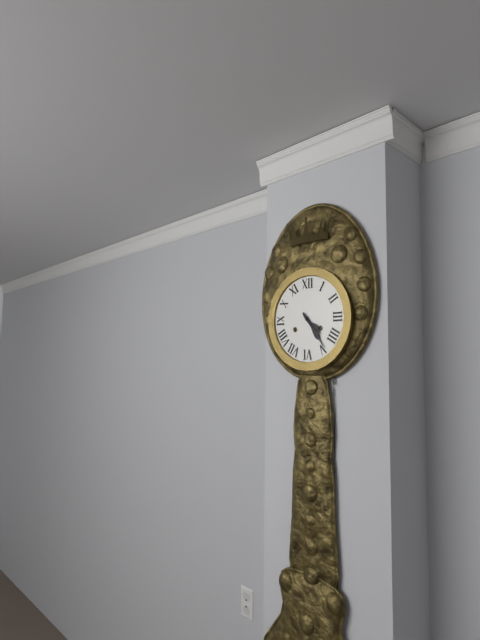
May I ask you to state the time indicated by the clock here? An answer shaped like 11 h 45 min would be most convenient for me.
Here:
4 h 24 min
